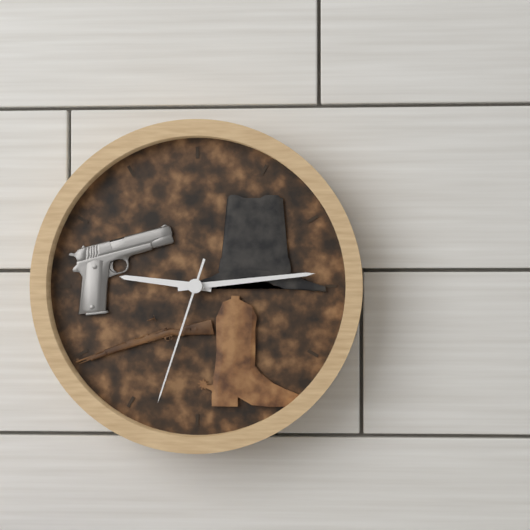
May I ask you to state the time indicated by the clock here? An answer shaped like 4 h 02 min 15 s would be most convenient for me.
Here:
9 h 14 min 33 s
